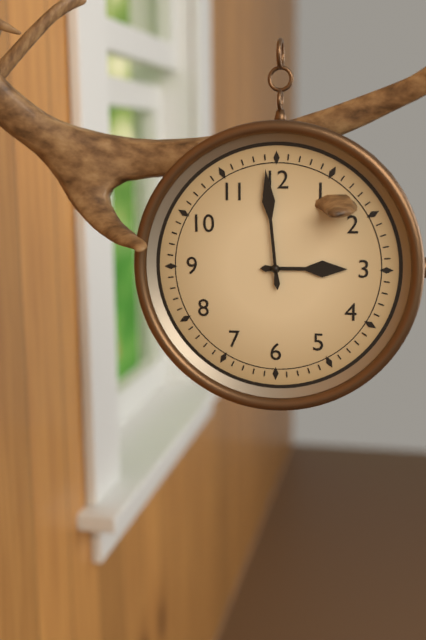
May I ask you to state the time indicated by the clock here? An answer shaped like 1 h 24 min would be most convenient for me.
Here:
2 h 59 min
